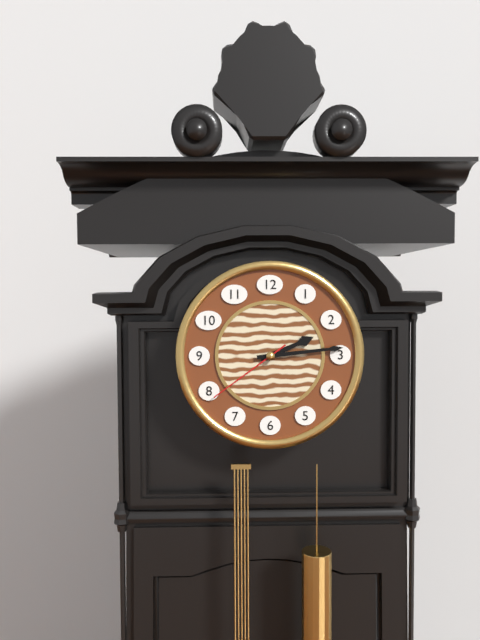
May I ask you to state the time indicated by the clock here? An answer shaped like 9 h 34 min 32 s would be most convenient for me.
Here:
2 h 14 min 39 s
